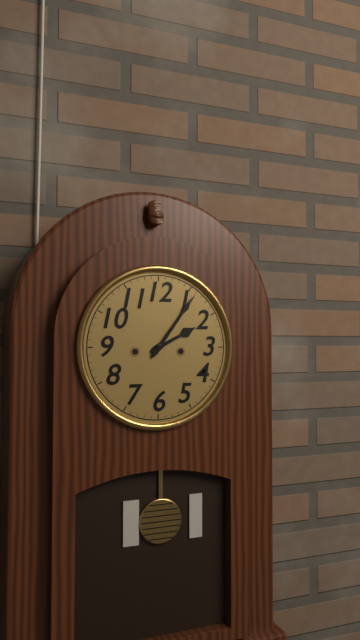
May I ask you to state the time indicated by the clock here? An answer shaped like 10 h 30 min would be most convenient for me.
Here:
2 h 06 min
